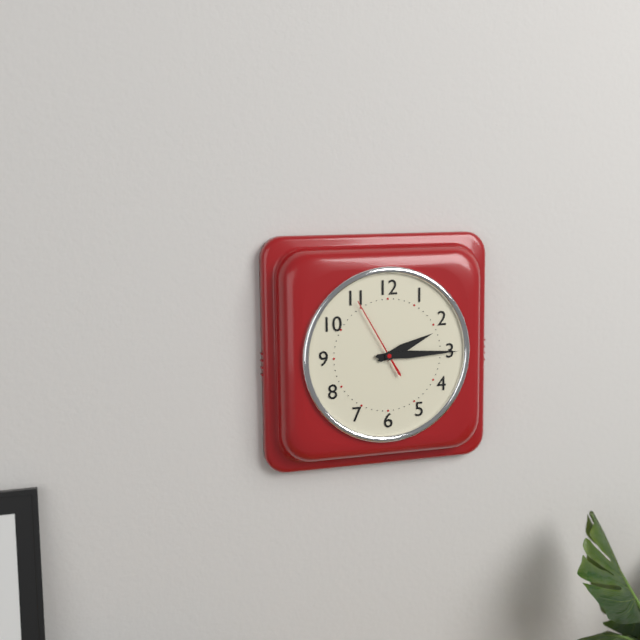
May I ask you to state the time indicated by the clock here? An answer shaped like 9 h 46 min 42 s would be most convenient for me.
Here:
2 h 15 min 55 s
